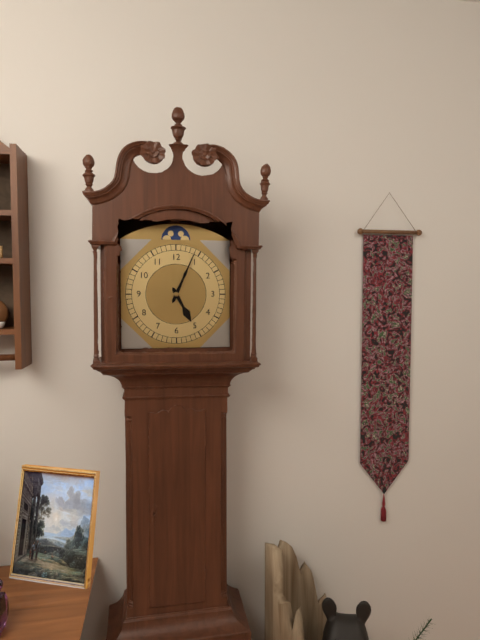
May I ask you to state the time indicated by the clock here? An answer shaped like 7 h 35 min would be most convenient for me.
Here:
5 h 04 min
